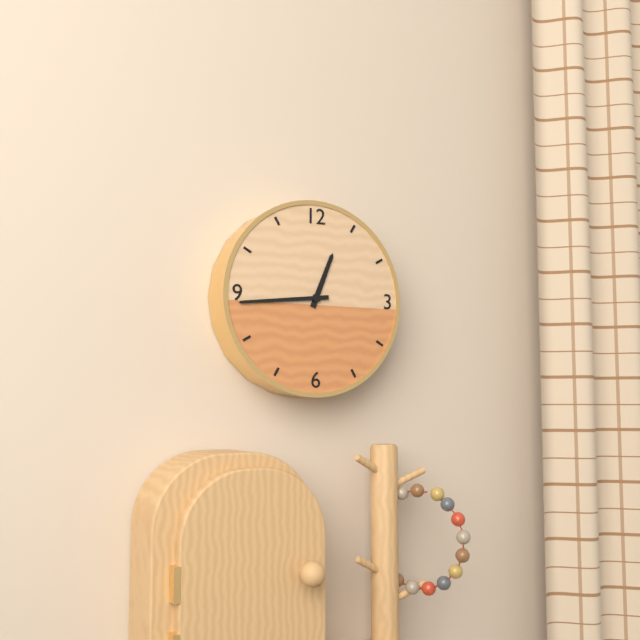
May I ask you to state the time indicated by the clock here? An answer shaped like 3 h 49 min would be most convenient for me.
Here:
12 h 44 min
